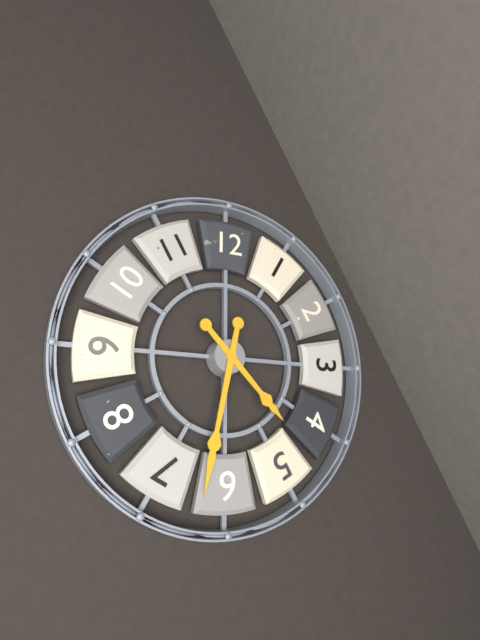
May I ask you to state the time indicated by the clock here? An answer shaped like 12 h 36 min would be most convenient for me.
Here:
4 h 32 min
